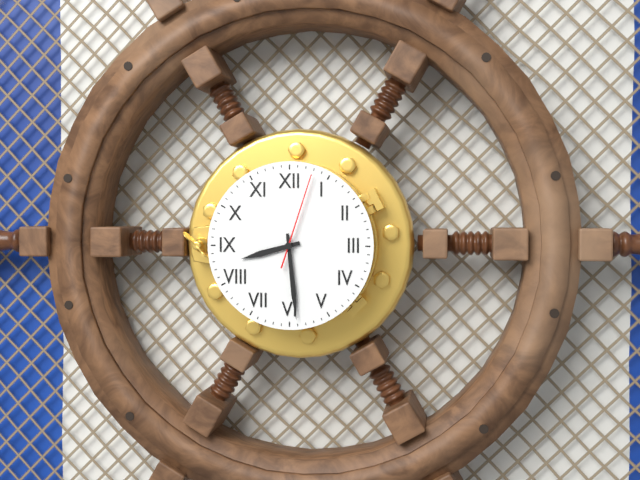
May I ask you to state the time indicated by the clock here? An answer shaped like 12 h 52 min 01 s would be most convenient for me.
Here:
8 h 29 min 03 s
